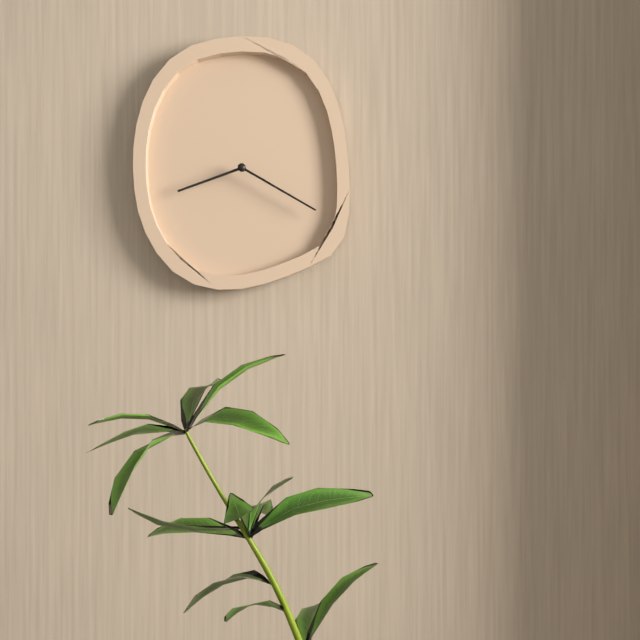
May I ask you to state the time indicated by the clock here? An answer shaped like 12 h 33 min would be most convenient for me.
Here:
8 h 20 min
